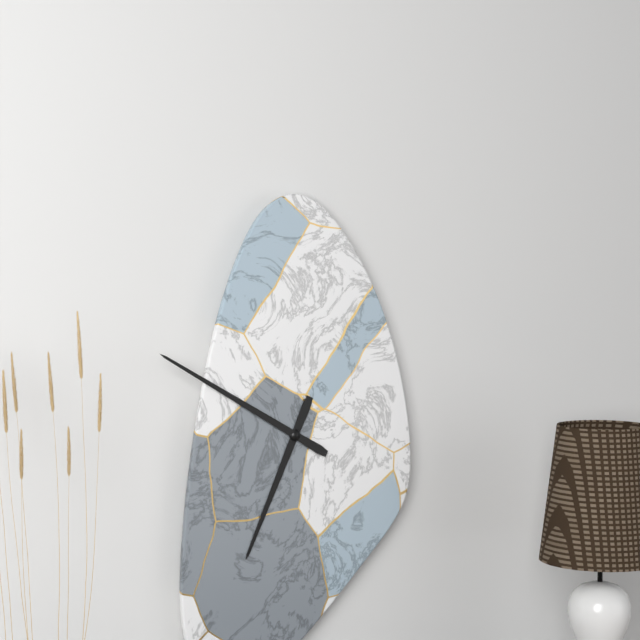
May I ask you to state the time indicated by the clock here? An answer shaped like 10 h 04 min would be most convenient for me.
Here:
6 h 50 min
